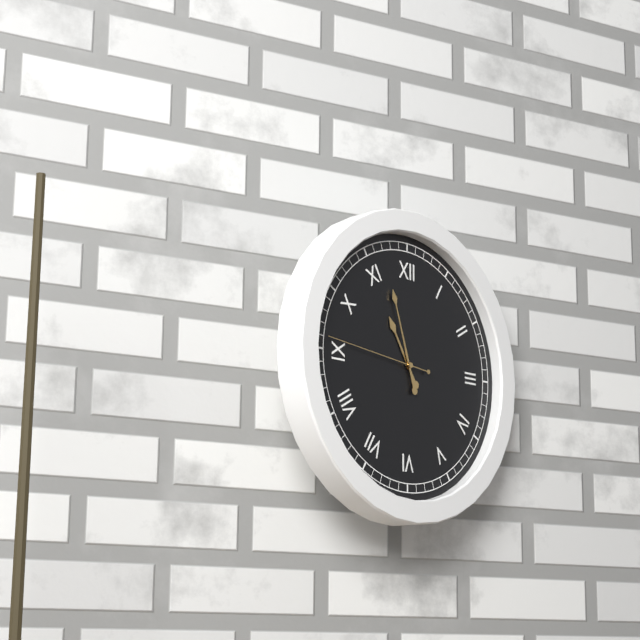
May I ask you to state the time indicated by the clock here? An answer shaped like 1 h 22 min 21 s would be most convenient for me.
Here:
10 h 57 min 46 s
